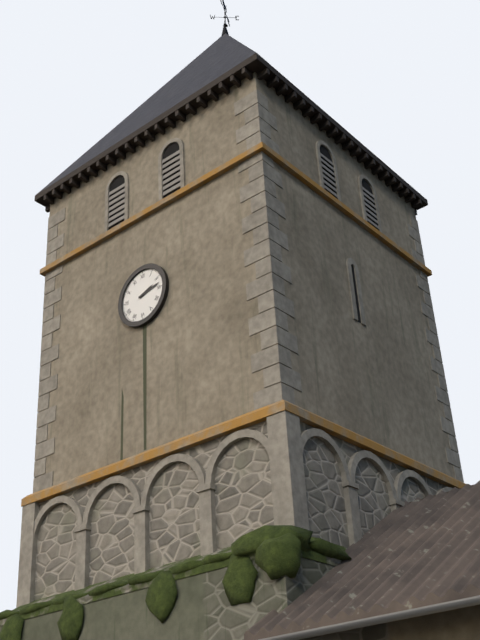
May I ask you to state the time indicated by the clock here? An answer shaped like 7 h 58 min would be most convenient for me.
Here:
2 h 13 min
